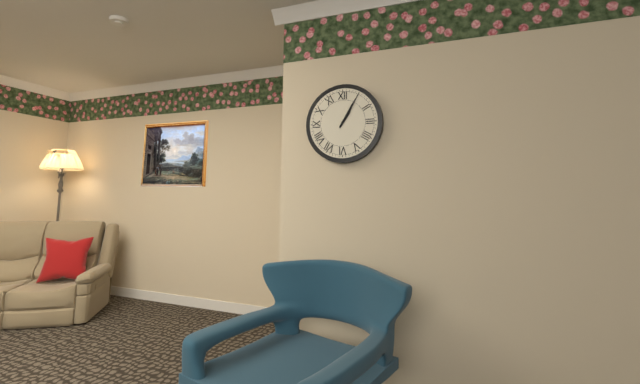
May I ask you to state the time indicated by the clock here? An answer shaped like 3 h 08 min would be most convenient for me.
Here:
1 h 05 min
